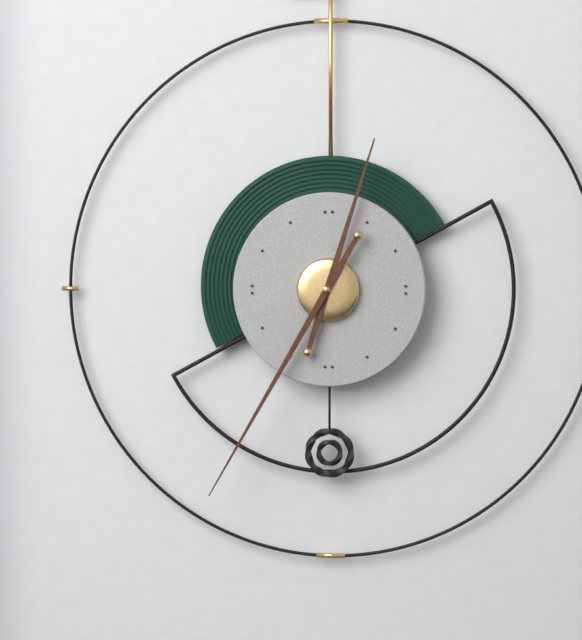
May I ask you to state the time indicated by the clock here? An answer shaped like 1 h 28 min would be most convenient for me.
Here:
12 h 35 min
